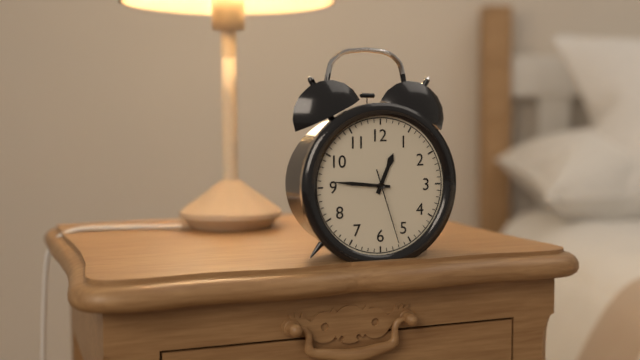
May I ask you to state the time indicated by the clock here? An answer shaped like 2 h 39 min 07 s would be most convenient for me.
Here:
12 h 46 min 27 s
